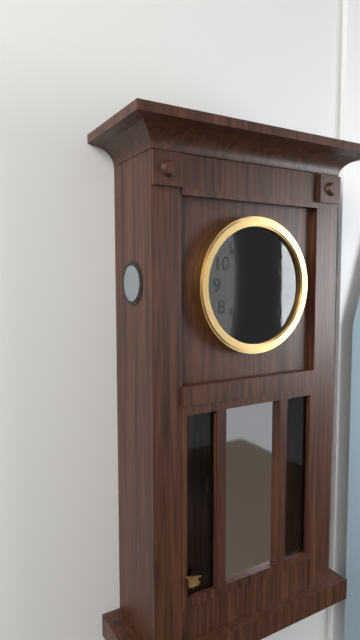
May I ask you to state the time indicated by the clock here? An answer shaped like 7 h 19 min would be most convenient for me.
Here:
2 h 54 min
